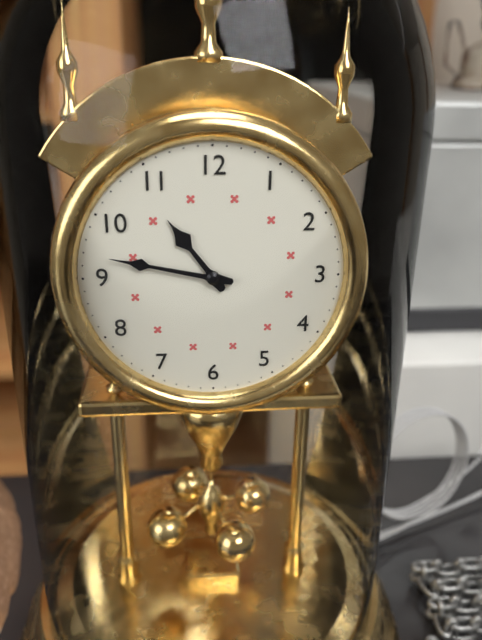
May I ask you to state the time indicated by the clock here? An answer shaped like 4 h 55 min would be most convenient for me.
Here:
10 h 47 min
